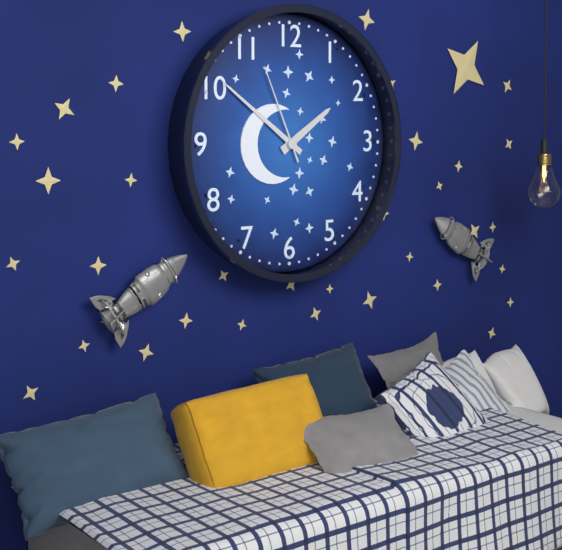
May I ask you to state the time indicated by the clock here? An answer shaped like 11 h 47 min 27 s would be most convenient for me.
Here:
1 h 51 min 56 s
